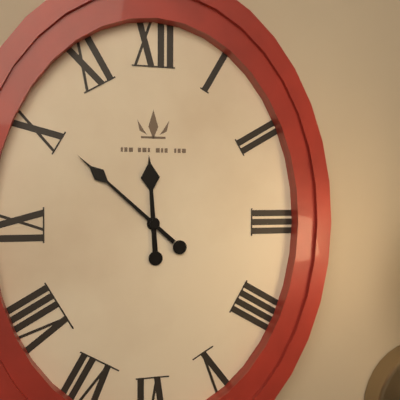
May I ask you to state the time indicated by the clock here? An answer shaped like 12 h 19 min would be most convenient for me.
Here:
11 h 52 min
